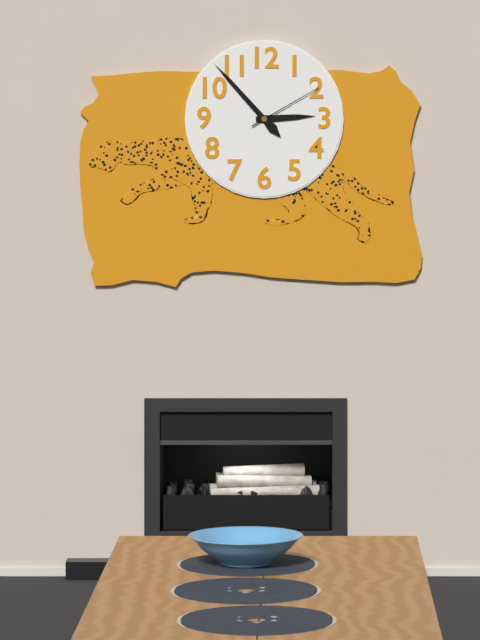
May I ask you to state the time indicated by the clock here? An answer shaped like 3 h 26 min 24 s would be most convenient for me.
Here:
2 h 53 min 10 s
